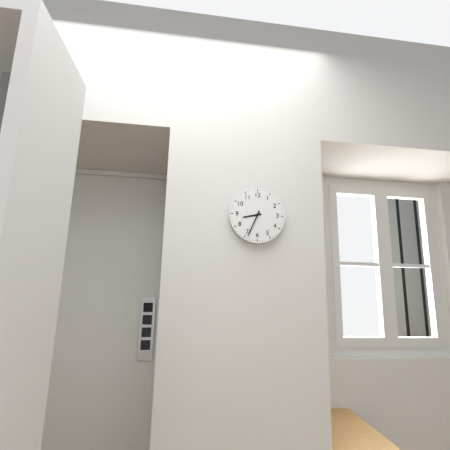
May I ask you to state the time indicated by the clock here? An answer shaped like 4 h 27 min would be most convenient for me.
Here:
8 h 34 min
